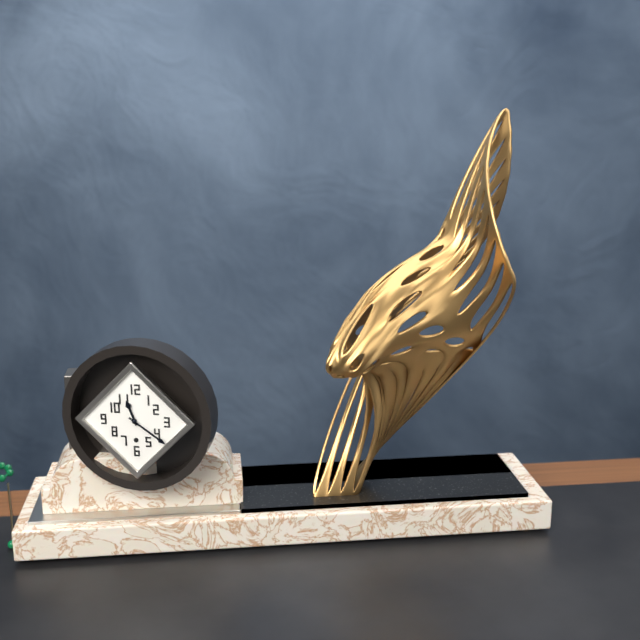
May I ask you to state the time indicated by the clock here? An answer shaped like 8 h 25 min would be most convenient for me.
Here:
11 h 21 min
